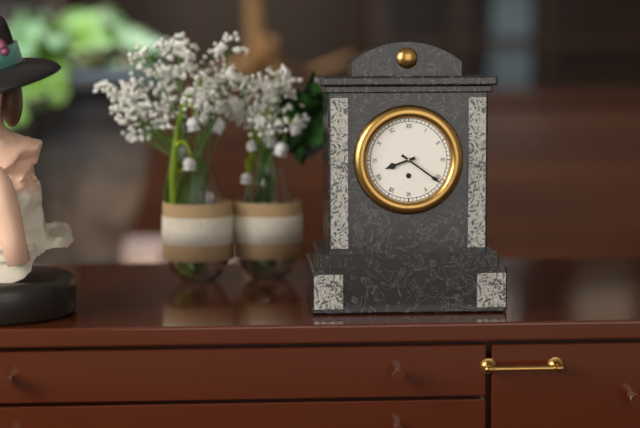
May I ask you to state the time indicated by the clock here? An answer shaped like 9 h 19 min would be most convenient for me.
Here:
8 h 21 min
